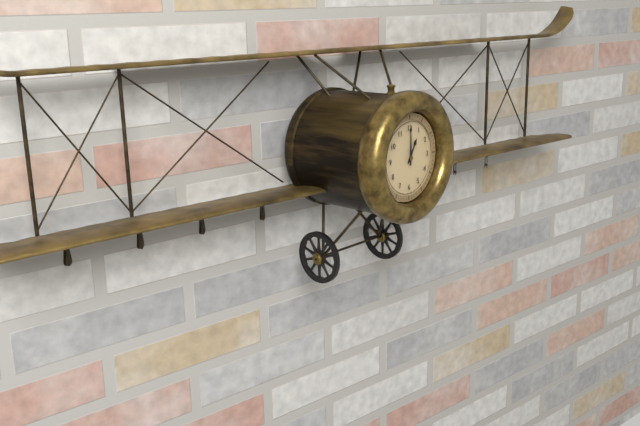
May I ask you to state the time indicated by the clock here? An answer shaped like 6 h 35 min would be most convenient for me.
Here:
1 h 00 min
